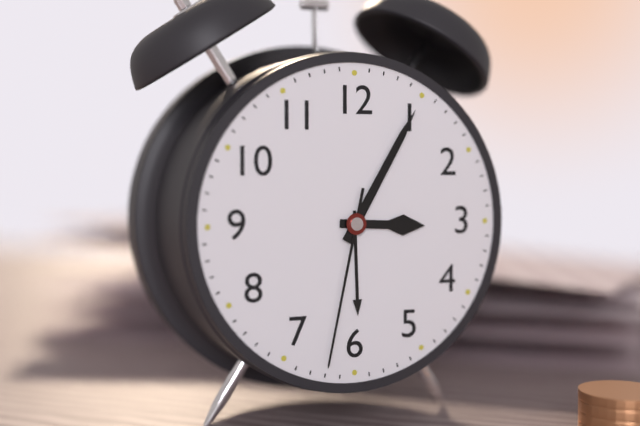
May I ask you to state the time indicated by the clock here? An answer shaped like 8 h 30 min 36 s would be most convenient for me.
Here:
3 h 05 min 32 s
